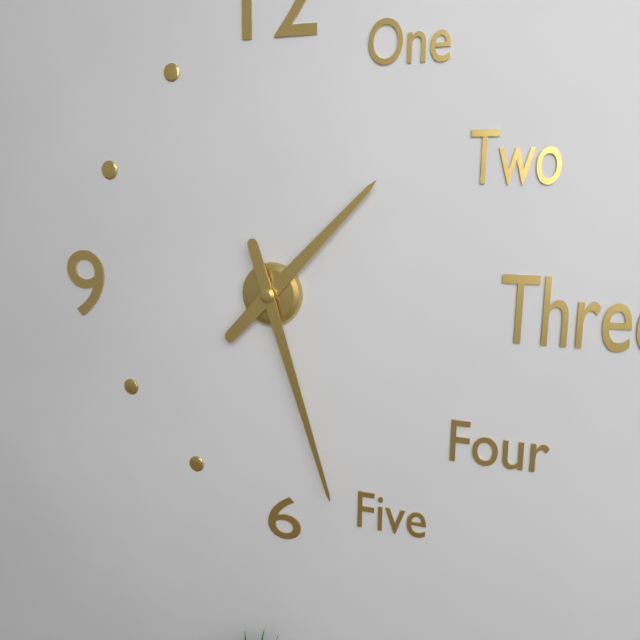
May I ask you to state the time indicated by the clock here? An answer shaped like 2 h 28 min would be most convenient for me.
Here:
1 h 27 min
